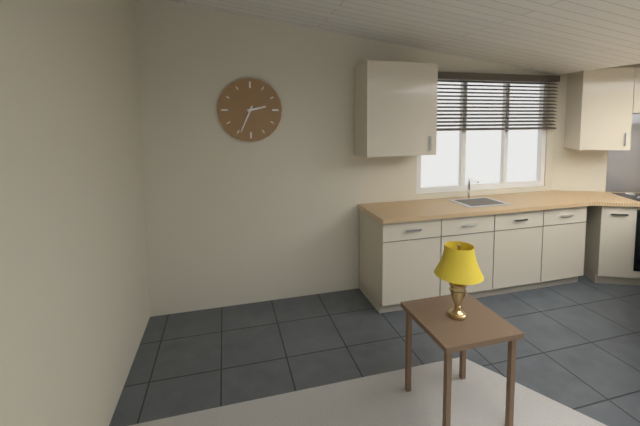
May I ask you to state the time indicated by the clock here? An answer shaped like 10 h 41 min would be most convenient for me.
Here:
2 h 34 min
